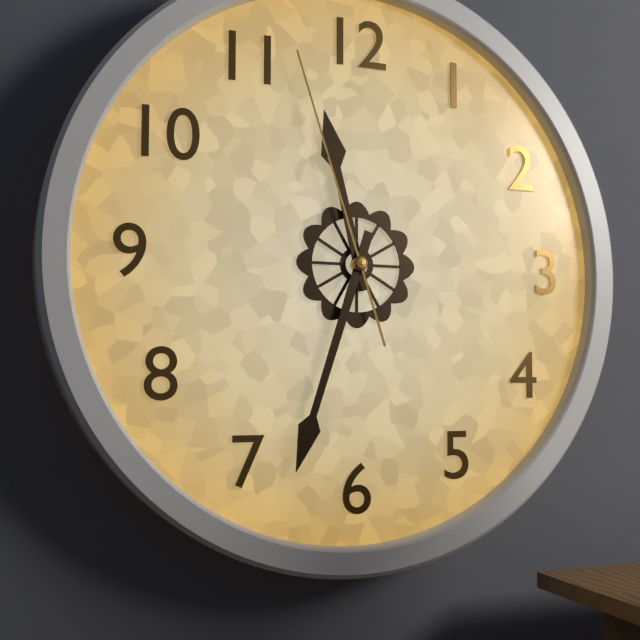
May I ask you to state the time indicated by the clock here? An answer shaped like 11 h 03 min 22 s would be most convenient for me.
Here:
11 h 33 min 57 s
